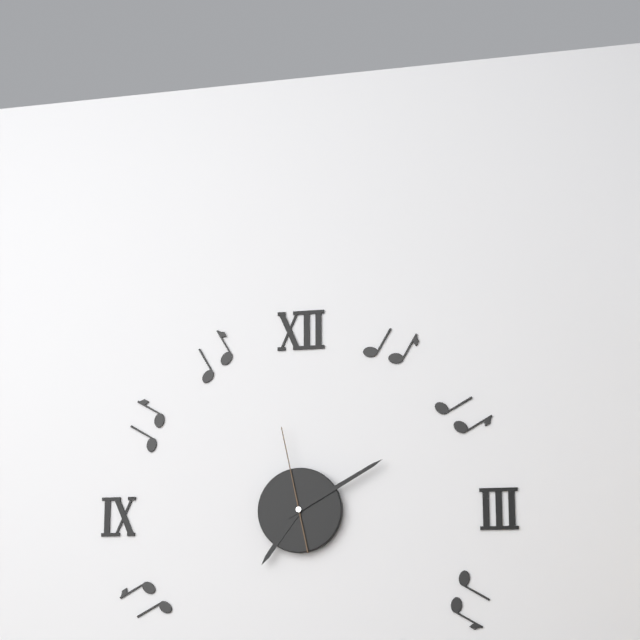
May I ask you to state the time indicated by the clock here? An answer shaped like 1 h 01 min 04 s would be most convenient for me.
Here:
7 h 10 min 58 s
